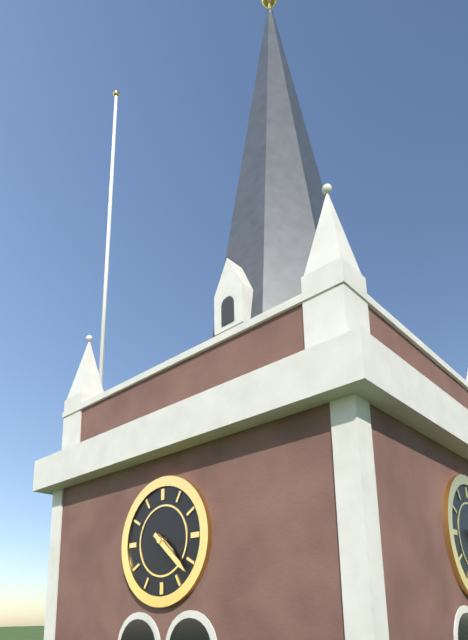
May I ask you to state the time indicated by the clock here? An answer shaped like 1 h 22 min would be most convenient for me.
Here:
4 h 22 min
